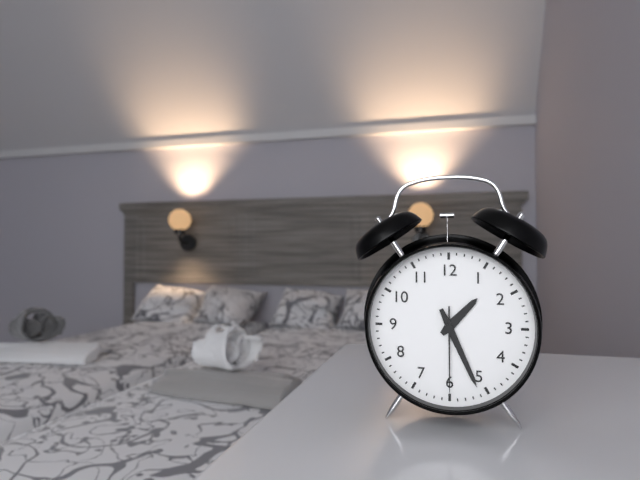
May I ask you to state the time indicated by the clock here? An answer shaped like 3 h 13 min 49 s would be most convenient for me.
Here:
1 h 26 min 30 s
